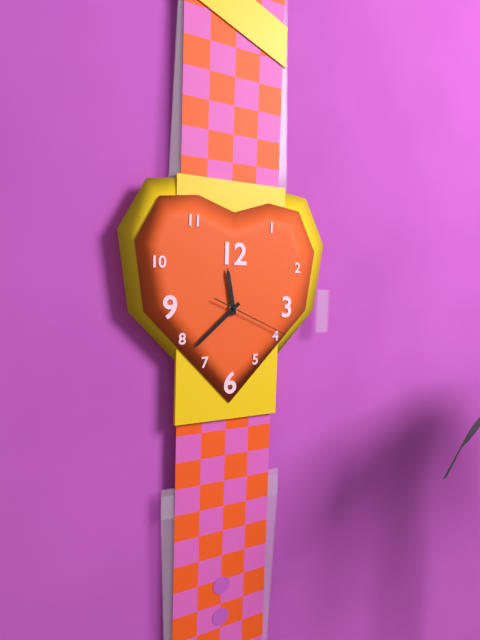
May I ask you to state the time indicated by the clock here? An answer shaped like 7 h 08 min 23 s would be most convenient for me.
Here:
11 h 38 min 19 s
